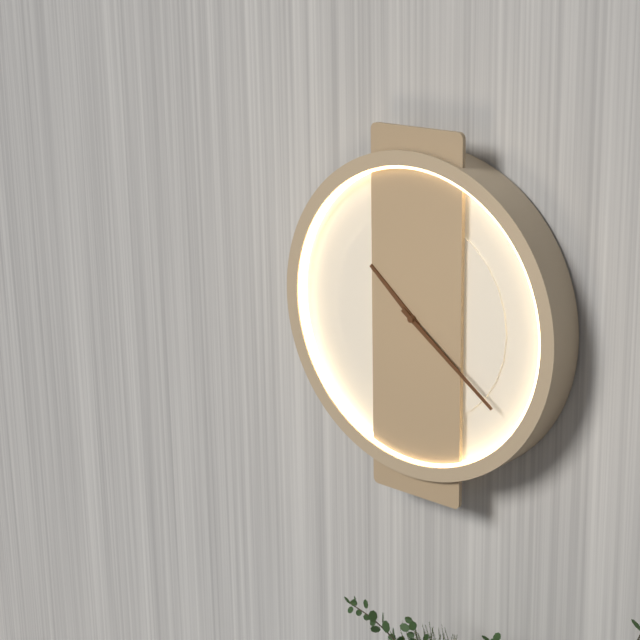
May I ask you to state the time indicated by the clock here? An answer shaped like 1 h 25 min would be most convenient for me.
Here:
10 h 21 min
